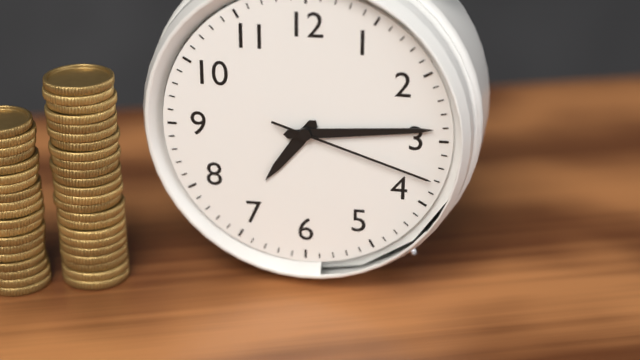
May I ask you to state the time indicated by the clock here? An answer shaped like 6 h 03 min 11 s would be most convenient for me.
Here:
7 h 14 min 18 s
